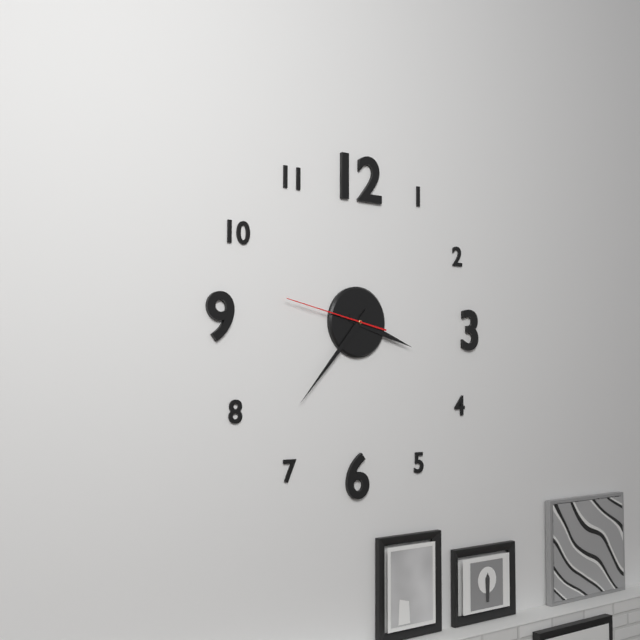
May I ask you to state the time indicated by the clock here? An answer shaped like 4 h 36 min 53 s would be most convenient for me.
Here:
3 h 37 min 47 s
